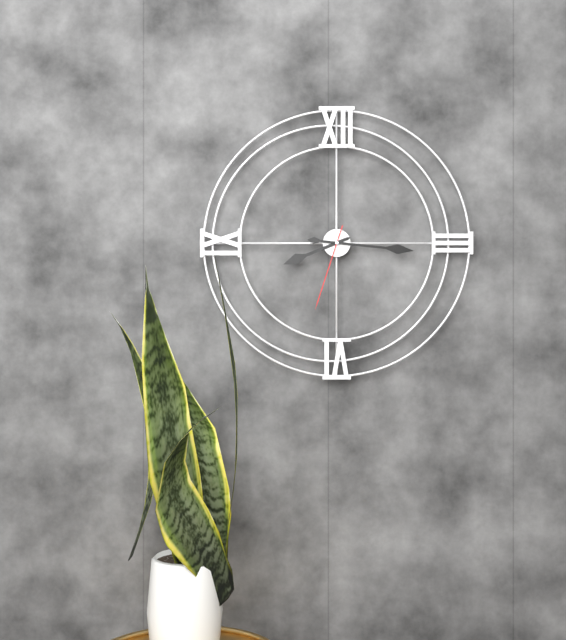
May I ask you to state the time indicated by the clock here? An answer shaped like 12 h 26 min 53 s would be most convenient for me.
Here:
8 h 16 min 33 s
